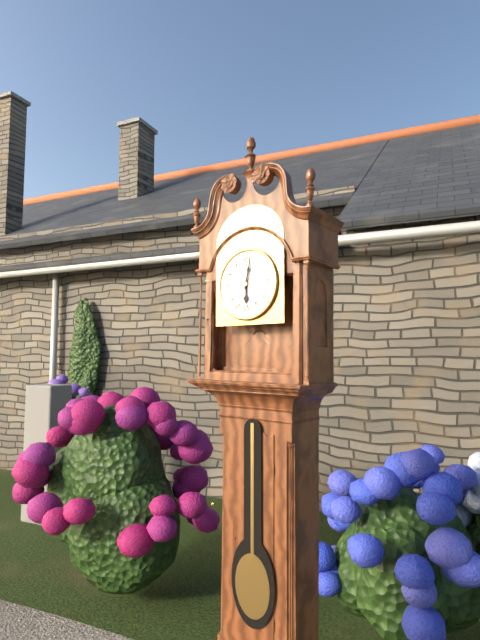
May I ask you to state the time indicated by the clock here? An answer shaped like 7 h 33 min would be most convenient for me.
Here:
6 h 02 min
